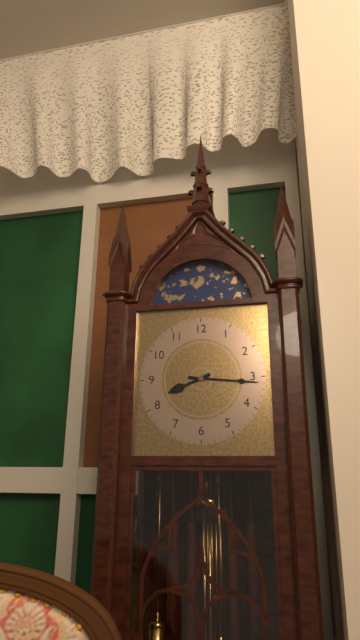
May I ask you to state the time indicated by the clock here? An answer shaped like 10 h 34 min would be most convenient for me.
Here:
8 h 16 min
